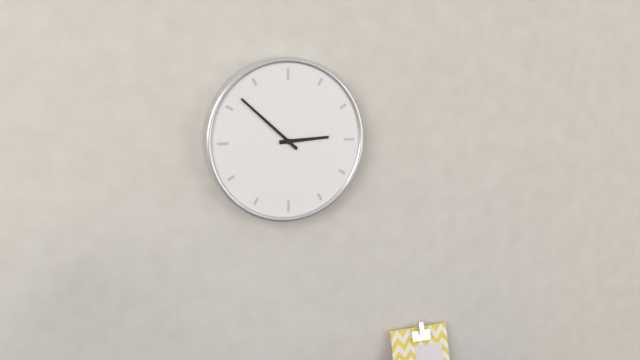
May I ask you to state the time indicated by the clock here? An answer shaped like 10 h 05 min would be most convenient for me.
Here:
2 h 52 min
